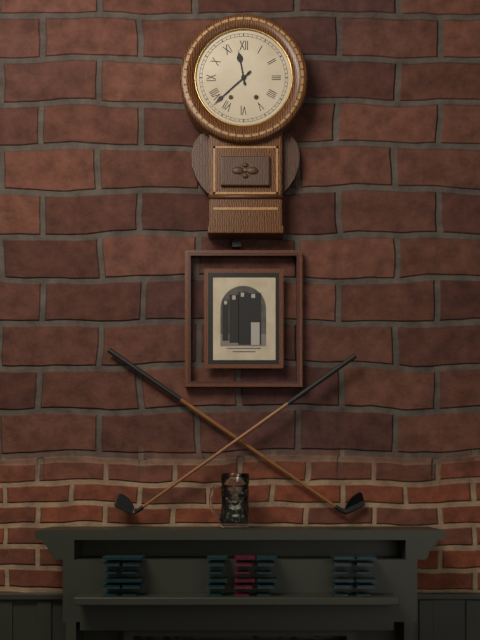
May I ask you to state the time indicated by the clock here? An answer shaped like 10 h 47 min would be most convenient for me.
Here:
11 h 38 min
